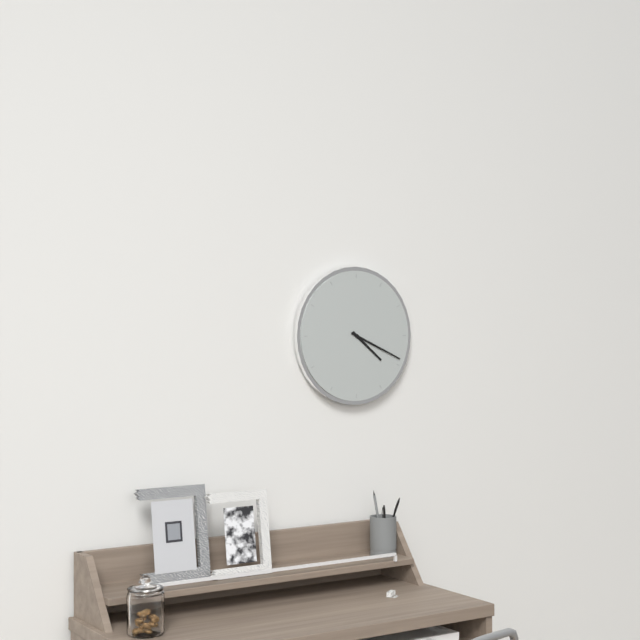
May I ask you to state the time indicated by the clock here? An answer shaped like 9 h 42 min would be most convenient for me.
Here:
4 h 19 min
